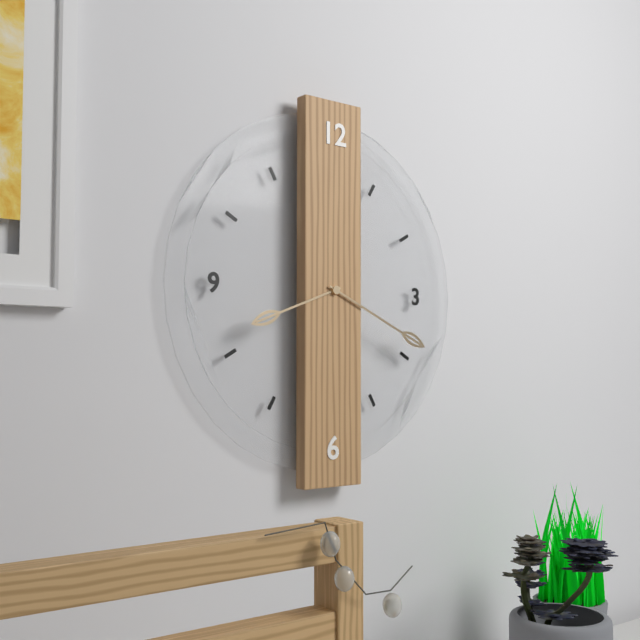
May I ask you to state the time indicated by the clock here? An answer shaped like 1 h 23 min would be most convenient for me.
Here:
8 h 19 min
